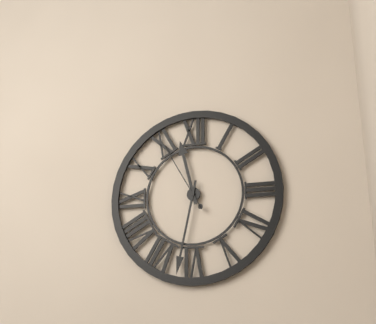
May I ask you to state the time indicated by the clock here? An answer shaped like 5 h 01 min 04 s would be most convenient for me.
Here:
11 h 32 min 55 s
